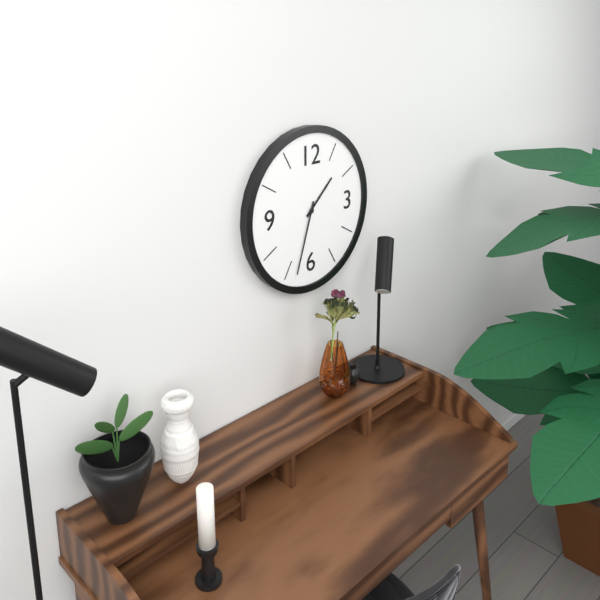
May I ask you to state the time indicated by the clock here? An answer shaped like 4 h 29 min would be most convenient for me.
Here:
1 h 33 min
